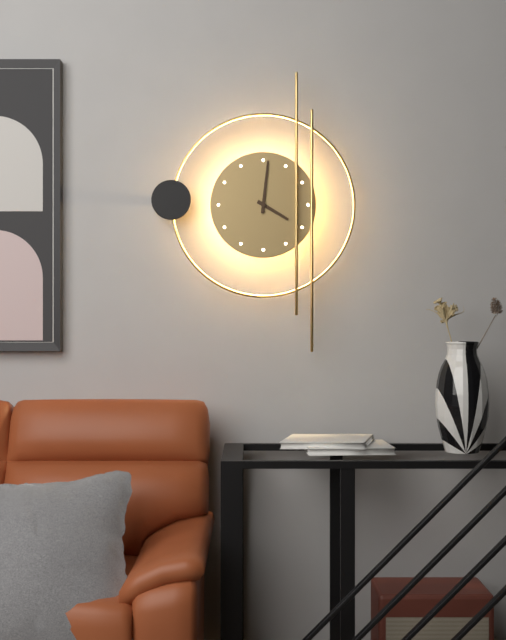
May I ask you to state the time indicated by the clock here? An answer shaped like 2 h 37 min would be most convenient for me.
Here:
4 h 01 min
